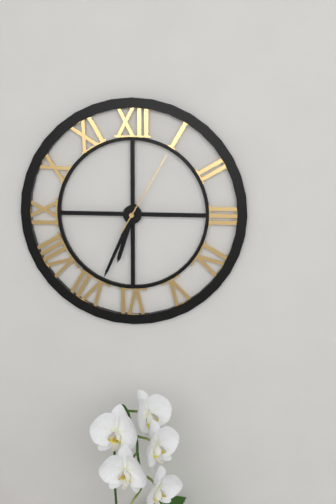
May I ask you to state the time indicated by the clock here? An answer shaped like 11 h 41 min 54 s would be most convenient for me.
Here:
6 h 34 min 05 s
